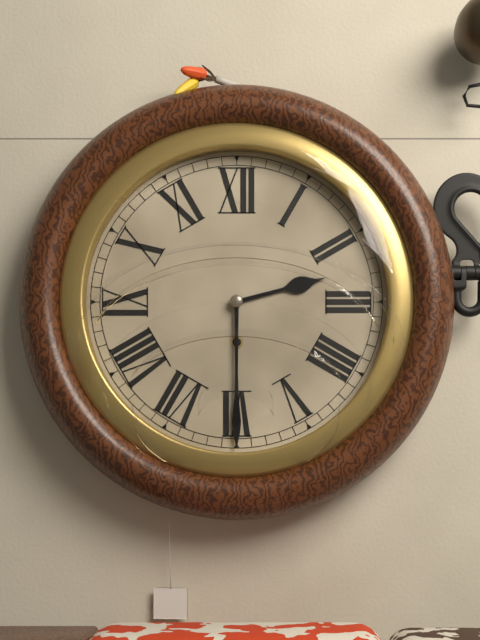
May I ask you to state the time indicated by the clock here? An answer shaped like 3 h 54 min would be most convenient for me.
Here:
2 h 30 min
